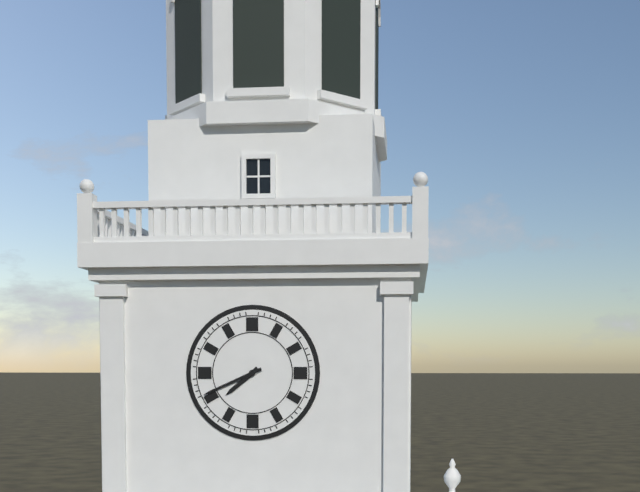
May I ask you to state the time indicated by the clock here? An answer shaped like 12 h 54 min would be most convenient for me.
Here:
7 h 41 min
